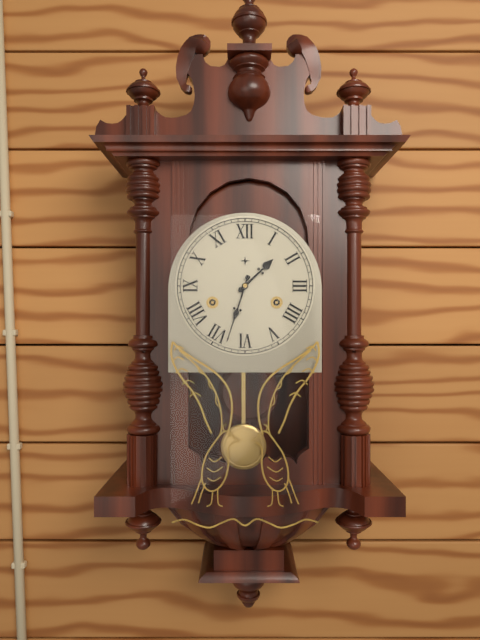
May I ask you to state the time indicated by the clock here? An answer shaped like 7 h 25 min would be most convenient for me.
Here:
1 h 33 min
